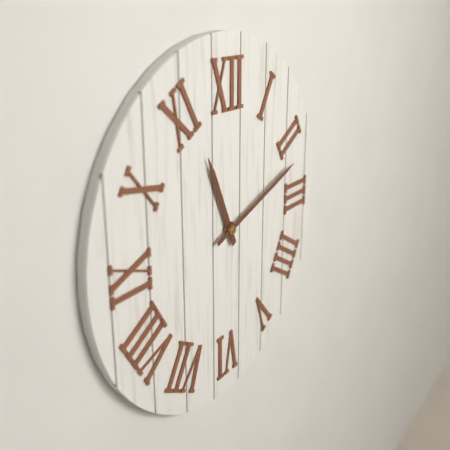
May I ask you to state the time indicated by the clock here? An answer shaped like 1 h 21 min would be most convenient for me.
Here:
11 h 12 min
